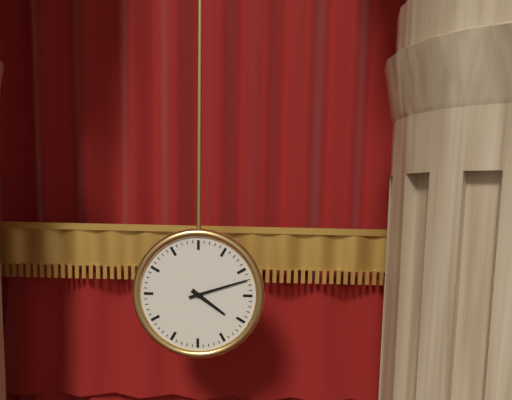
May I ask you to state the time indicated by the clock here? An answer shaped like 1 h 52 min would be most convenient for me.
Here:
4 h 12 min
